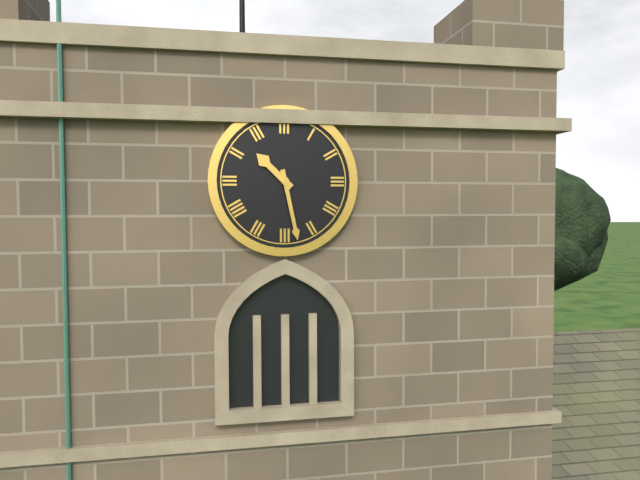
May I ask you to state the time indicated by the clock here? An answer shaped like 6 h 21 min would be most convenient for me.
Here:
10 h 28 min
